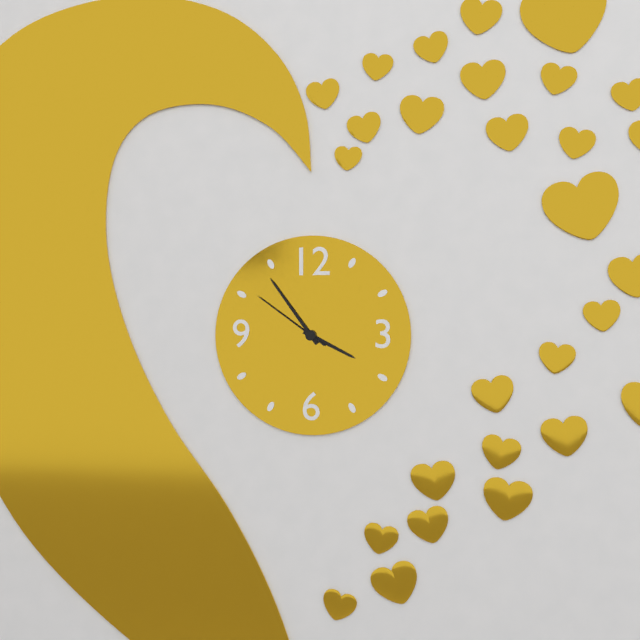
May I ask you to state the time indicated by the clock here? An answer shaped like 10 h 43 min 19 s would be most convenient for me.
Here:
3 h 54 min 51 s
